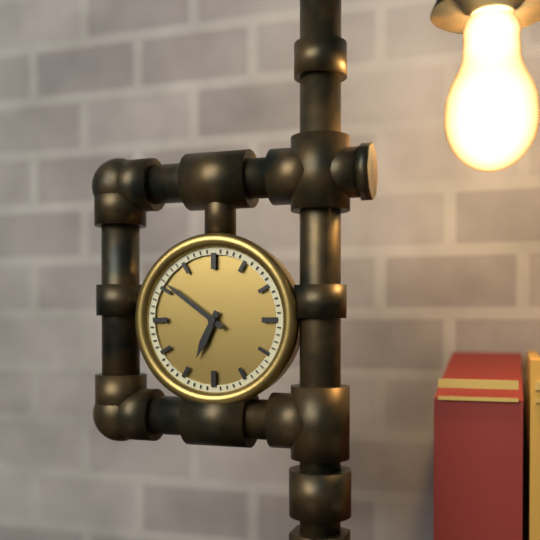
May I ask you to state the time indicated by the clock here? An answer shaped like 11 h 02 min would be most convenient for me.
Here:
6 h 51 min
